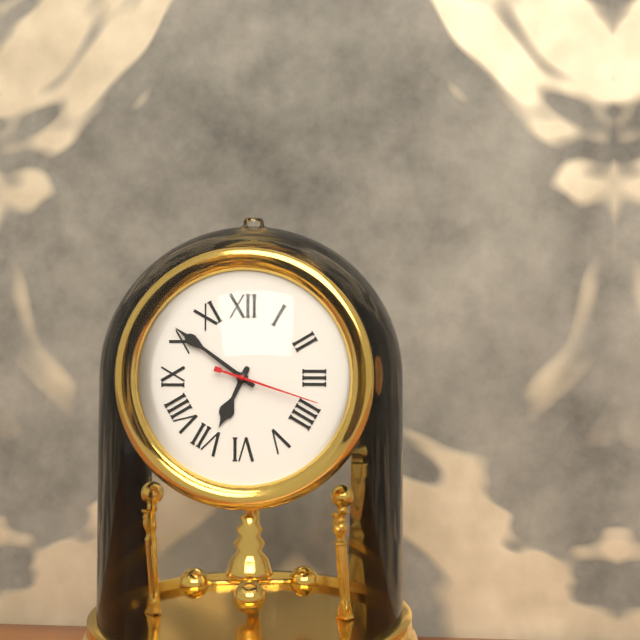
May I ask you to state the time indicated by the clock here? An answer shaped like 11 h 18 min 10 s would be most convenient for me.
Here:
6 h 51 min 18 s
